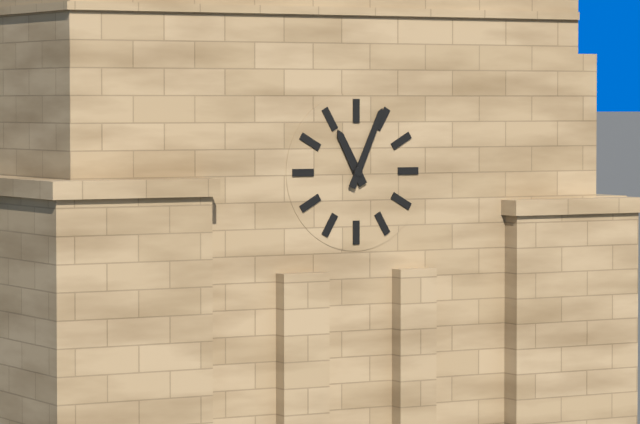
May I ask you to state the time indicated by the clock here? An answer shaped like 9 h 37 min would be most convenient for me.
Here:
11 h 04 min
